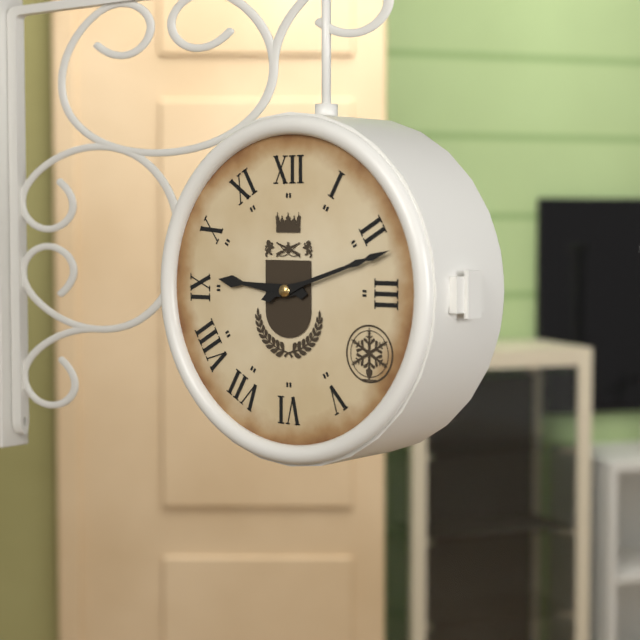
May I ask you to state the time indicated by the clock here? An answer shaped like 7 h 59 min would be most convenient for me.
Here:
9 h 12 min
